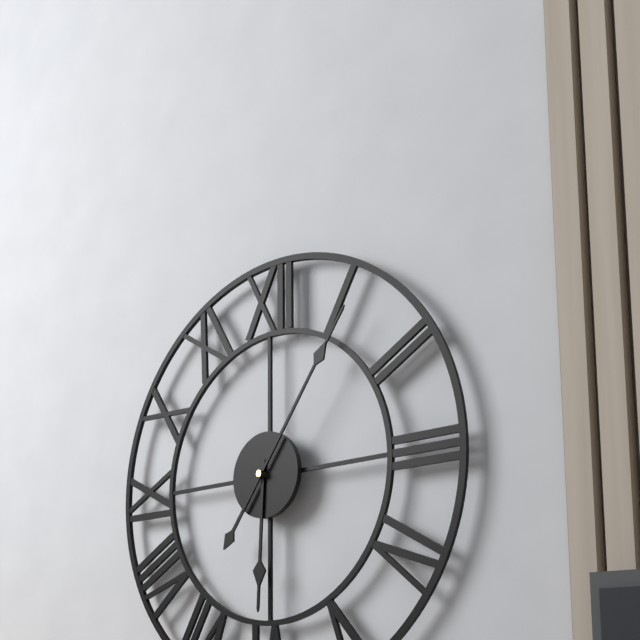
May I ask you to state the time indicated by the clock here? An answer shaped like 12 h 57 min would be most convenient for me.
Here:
6 h 06 min
